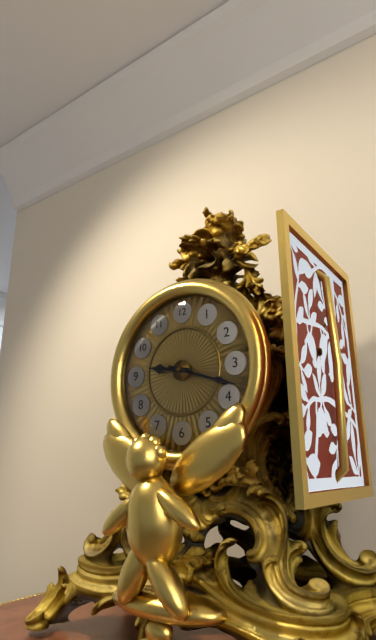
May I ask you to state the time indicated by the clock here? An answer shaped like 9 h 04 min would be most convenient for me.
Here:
9 h 18 min
